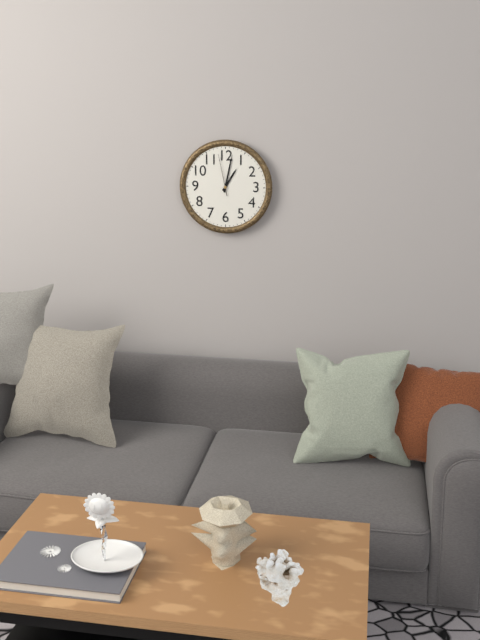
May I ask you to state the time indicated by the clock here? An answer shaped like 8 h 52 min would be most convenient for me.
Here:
1 h 02 min
